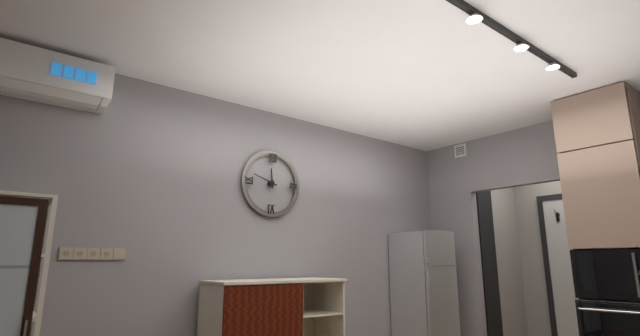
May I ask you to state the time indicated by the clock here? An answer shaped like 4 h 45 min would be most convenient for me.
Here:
11 h 48 min
